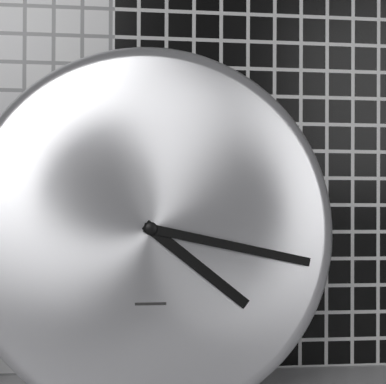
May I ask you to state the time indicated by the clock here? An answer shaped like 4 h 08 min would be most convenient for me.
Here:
4 h 17 min
